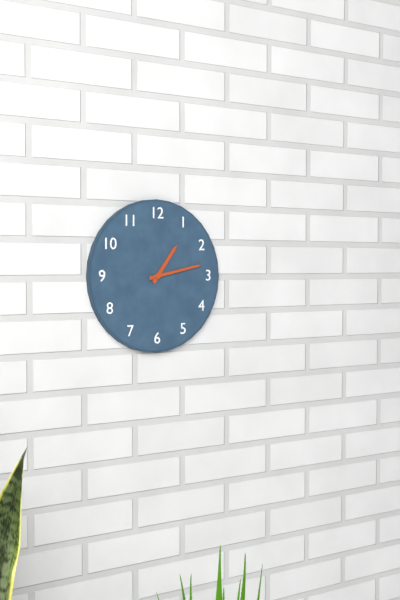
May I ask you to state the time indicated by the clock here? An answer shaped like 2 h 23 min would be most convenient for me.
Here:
1 h 13 min
